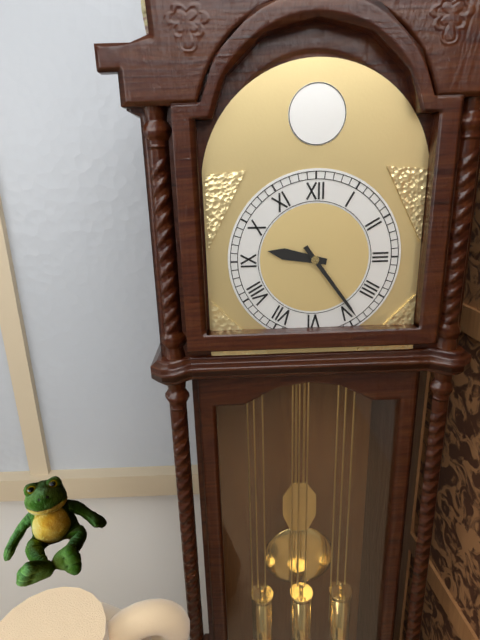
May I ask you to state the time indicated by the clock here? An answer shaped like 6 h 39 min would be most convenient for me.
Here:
9 h 24 min
